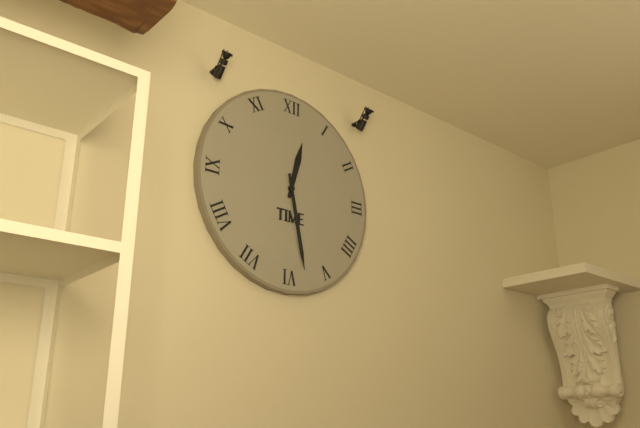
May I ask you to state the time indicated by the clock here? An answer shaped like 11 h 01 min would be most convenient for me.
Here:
12 h 28 min
